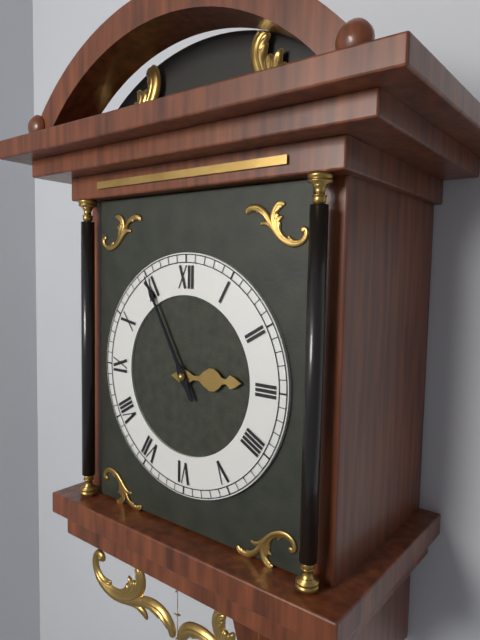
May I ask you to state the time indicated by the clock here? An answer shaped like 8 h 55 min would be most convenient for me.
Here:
2 h 55 min
